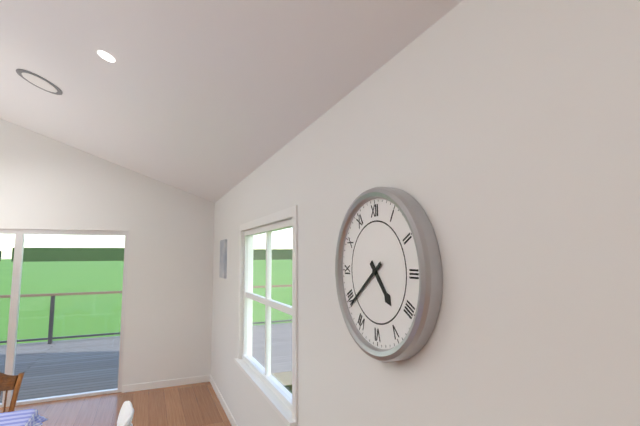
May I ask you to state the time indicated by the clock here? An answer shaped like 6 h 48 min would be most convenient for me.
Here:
4 h 39 min
